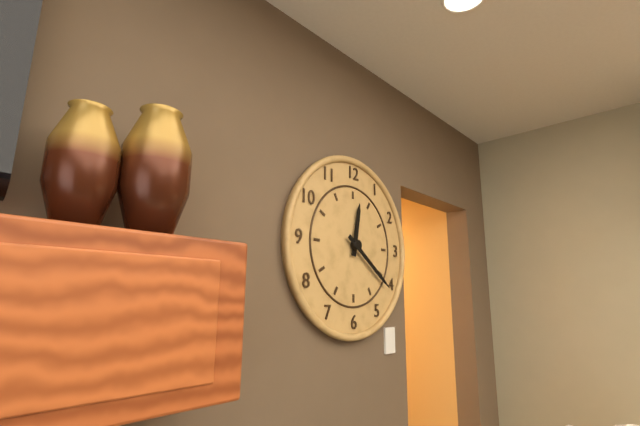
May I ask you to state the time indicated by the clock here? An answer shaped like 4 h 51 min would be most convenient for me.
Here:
12 h 21 min
